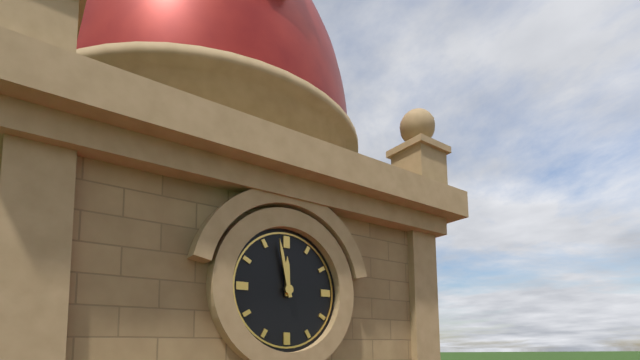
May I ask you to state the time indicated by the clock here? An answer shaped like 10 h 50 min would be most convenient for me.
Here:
11 h 58 min
